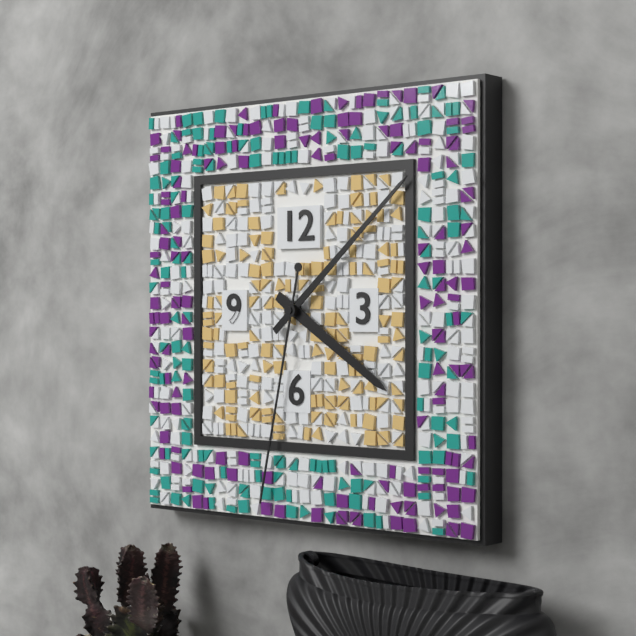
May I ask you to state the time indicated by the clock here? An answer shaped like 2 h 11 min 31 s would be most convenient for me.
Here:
4 h 08 min 32 s
